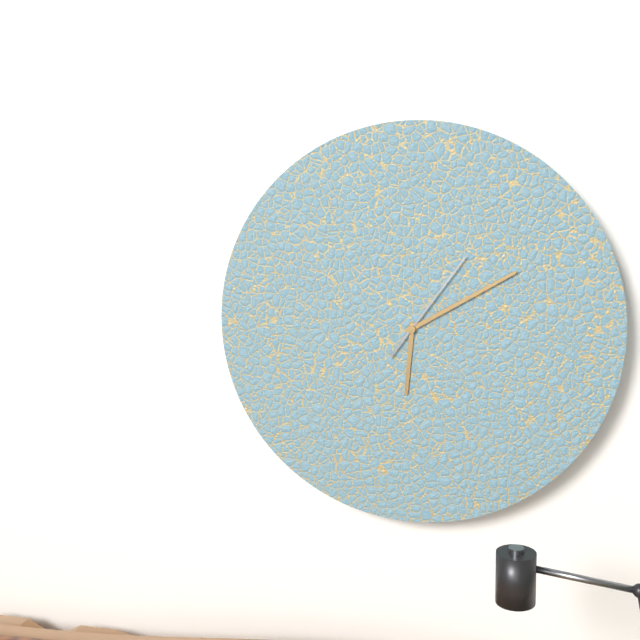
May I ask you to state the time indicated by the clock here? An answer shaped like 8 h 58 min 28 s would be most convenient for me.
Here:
6 h 10 min 06 s
